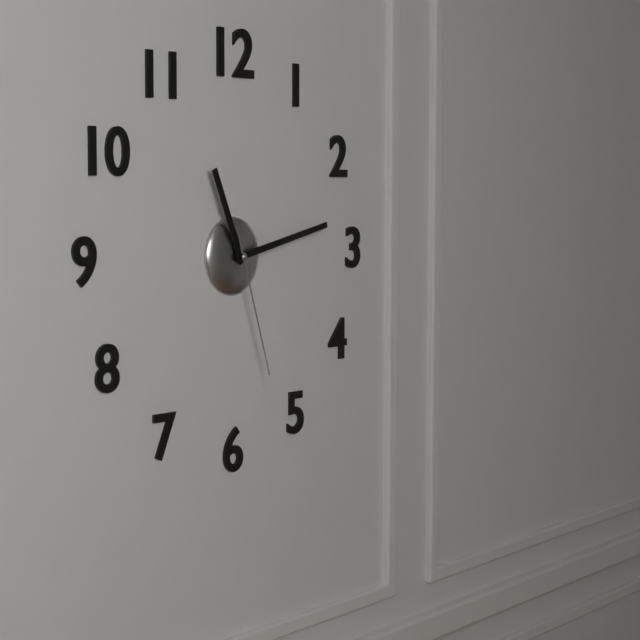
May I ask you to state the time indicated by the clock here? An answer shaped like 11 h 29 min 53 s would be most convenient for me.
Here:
11 h 13 min 27 s
